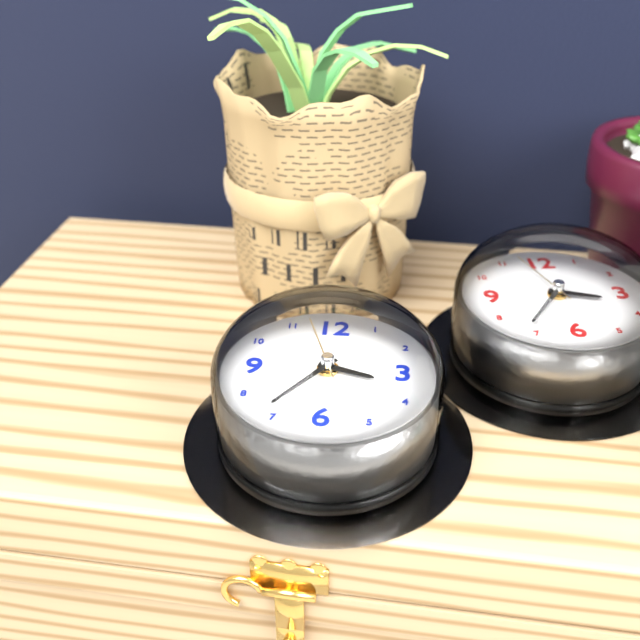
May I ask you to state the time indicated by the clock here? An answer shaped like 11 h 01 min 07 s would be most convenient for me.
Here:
3 h 36 min 57 s
